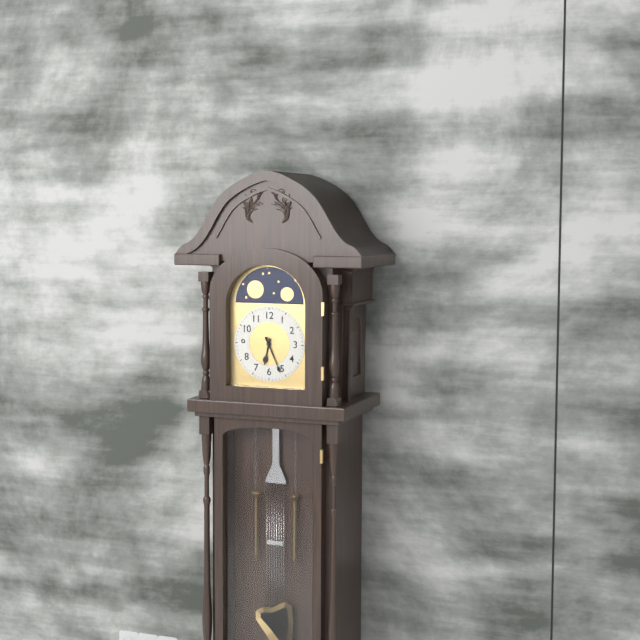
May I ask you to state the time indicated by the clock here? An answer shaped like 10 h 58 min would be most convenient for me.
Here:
6 h 26 min
